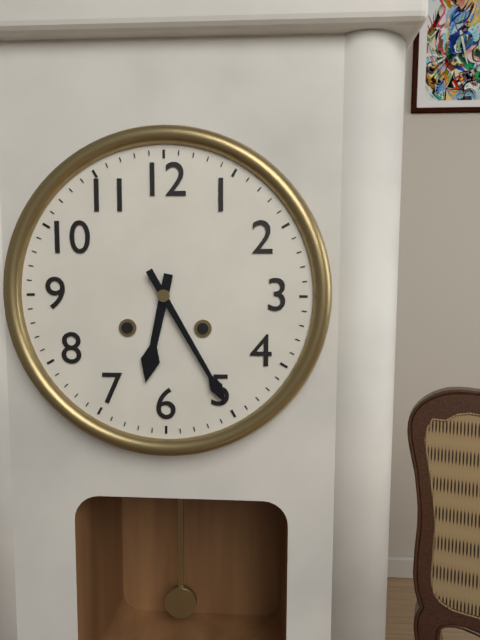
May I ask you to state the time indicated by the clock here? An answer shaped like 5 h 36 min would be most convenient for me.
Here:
6 h 25 min
